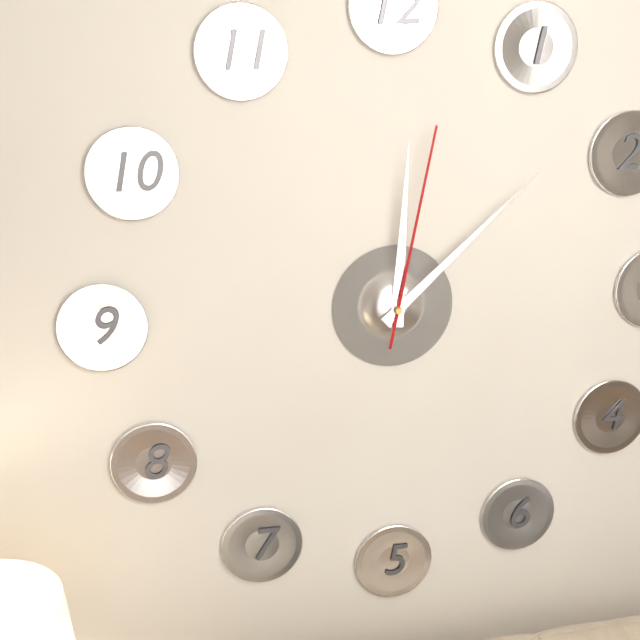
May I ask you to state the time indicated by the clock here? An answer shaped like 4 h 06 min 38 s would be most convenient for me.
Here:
12 h 08 min 02 s
